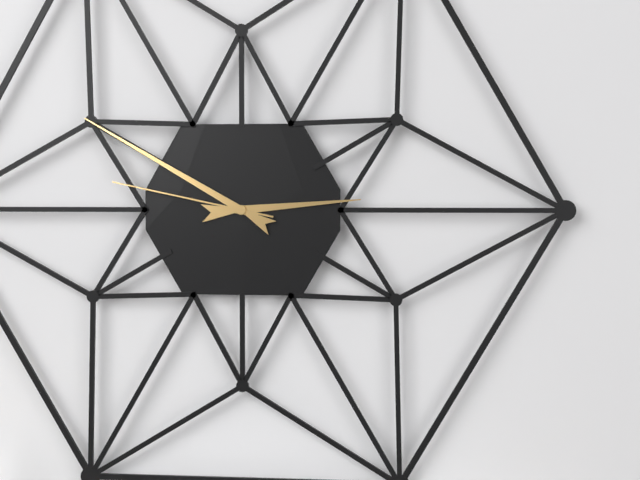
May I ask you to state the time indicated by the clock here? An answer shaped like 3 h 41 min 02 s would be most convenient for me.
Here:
2 h 50 min 47 s
